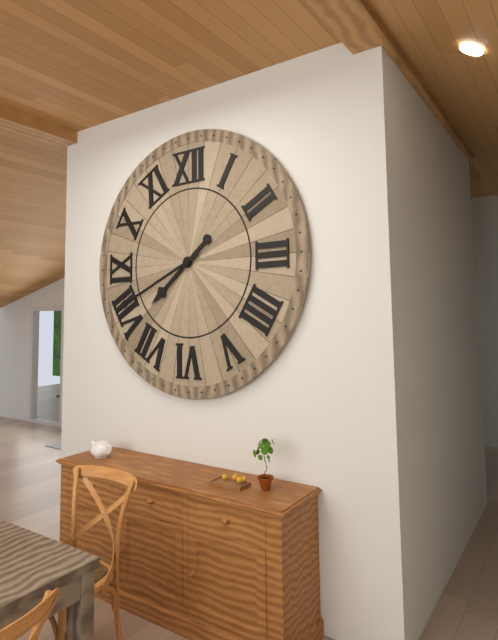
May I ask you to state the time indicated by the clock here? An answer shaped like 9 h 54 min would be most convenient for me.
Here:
7 h 41 min
